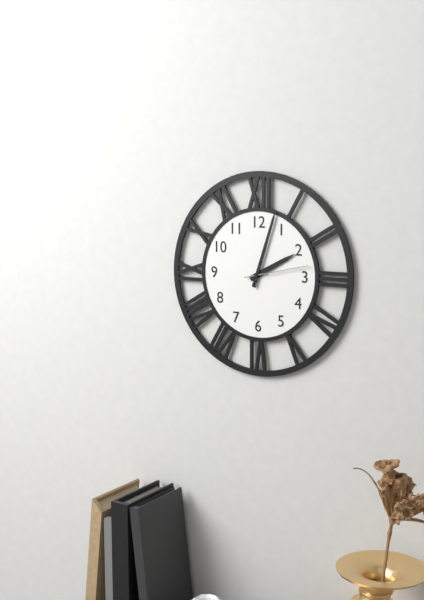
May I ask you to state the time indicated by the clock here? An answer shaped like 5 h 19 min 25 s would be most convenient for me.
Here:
2 h 03 min 13 s
